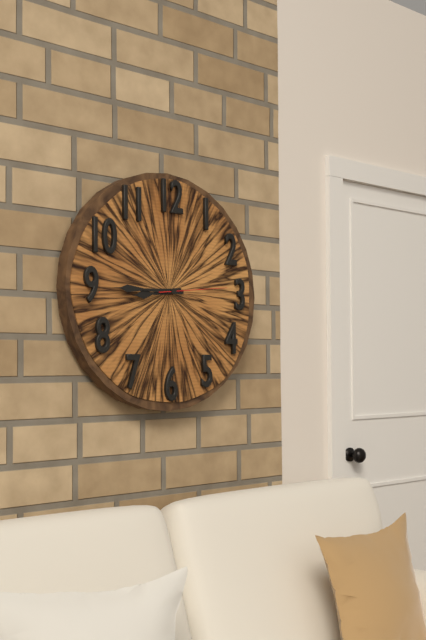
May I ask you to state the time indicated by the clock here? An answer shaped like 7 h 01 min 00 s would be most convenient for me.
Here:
8 h 45 min 14 s
